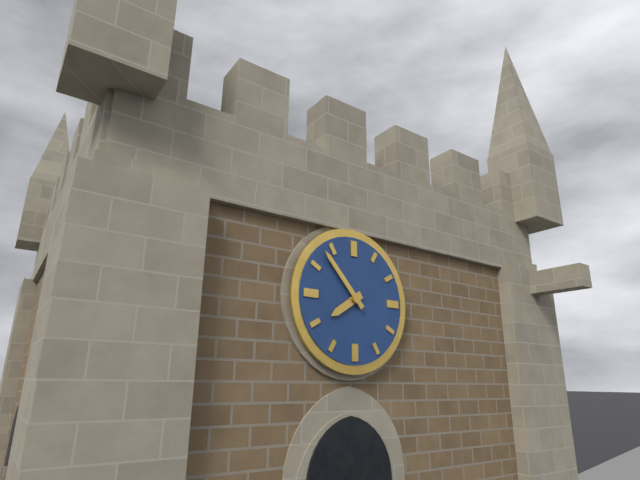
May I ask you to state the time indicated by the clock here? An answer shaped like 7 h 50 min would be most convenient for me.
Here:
7 h 53 min
